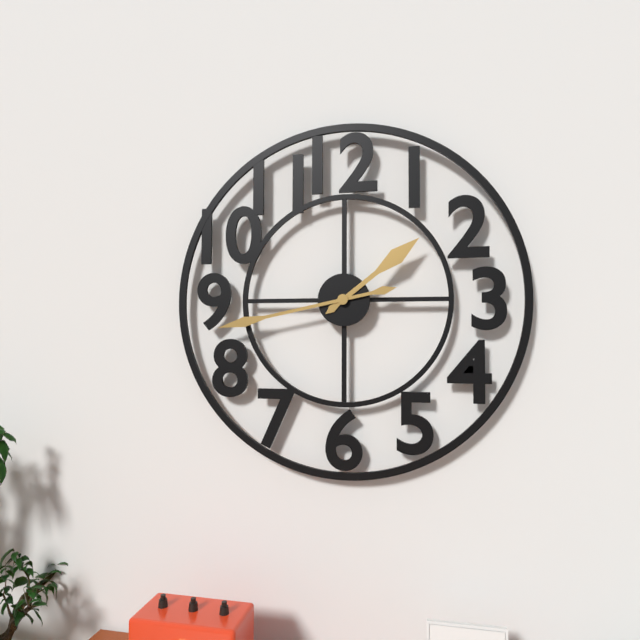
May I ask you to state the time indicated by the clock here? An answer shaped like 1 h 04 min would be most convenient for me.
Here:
1 h 43 min
